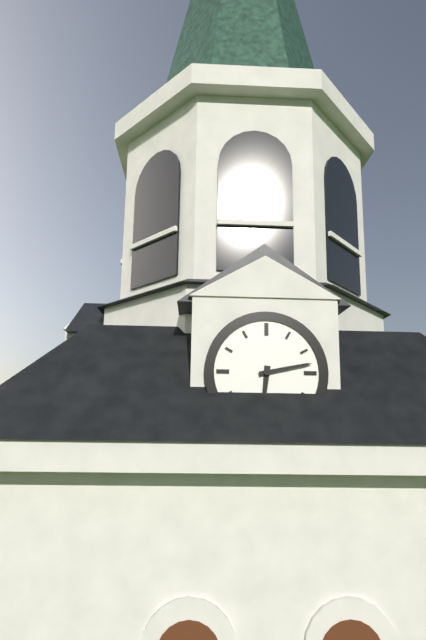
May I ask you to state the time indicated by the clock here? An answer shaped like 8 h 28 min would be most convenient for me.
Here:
6 h 13 min
